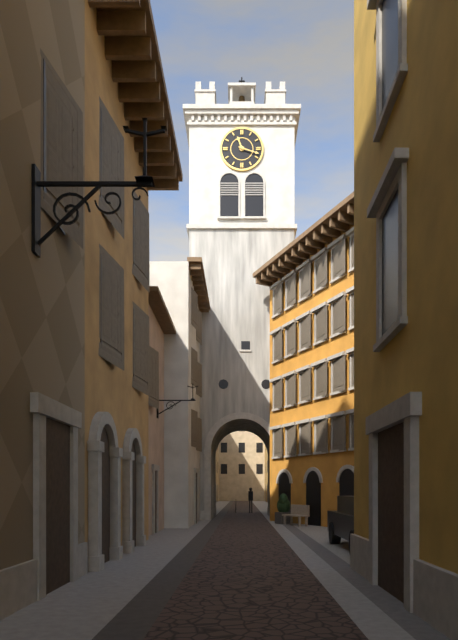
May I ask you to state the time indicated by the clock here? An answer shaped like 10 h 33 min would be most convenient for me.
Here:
11 h 18 min
